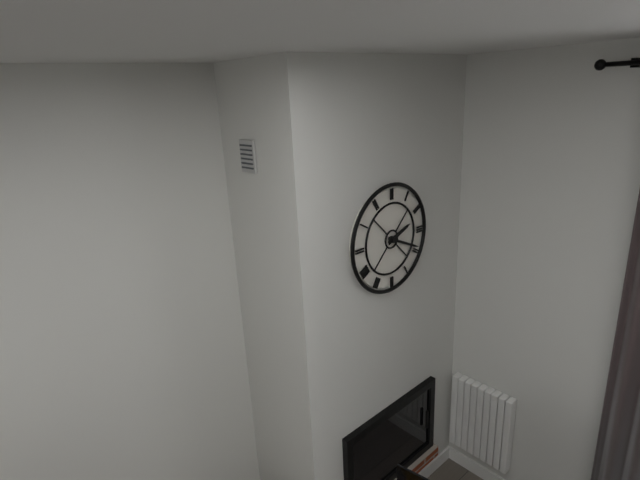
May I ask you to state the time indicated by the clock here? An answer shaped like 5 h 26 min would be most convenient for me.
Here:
2 h 19 min
